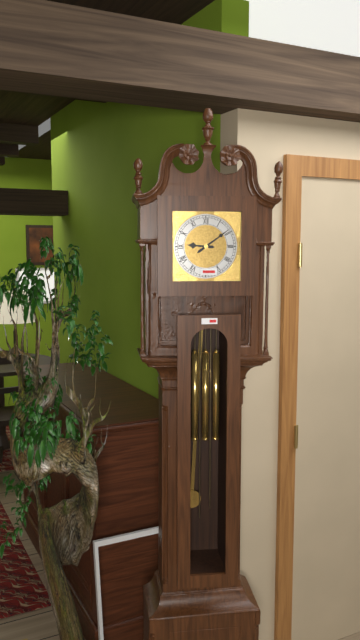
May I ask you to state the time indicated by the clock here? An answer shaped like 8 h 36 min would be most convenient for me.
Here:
9 h 09 min
